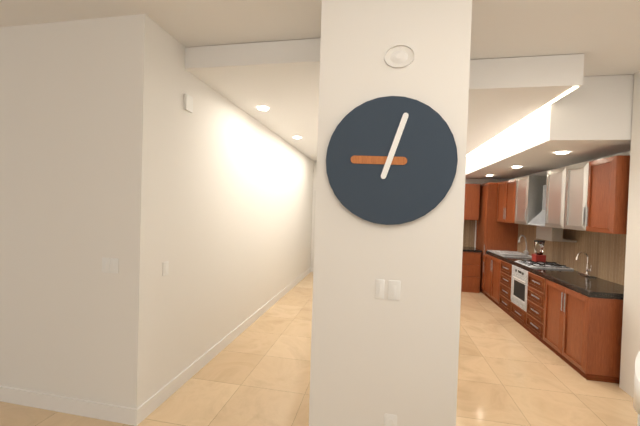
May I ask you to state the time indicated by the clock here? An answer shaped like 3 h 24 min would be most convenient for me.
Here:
9 h 03 min
